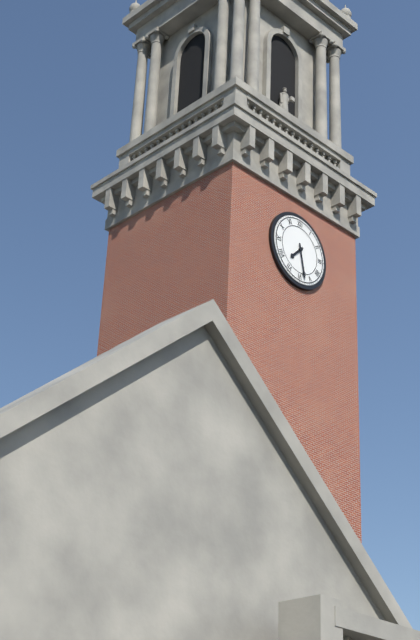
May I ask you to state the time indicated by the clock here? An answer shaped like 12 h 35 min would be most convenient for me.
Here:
7 h 28 min
